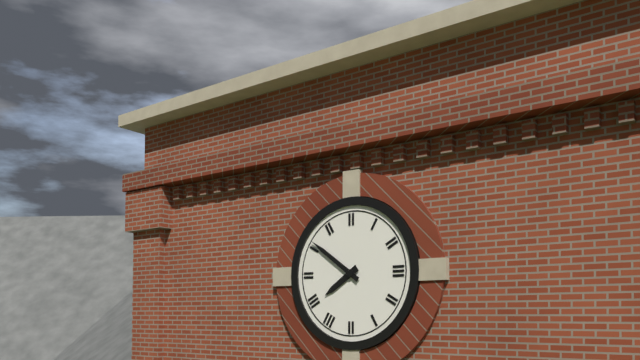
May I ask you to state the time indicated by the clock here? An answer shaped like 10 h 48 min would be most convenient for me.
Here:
7 h 51 min
